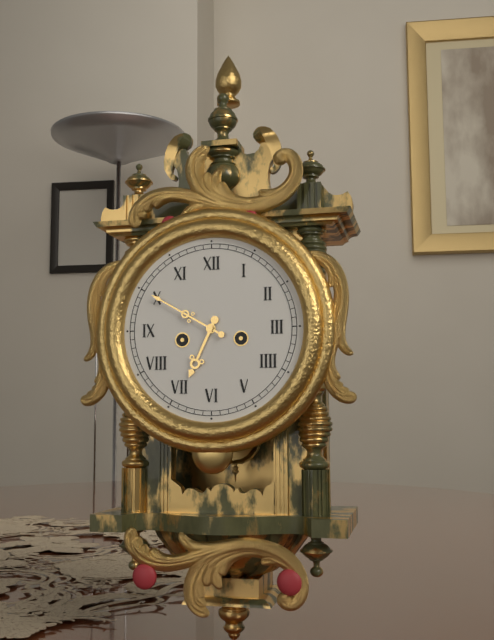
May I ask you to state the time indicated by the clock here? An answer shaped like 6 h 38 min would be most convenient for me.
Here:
6 h 50 min
